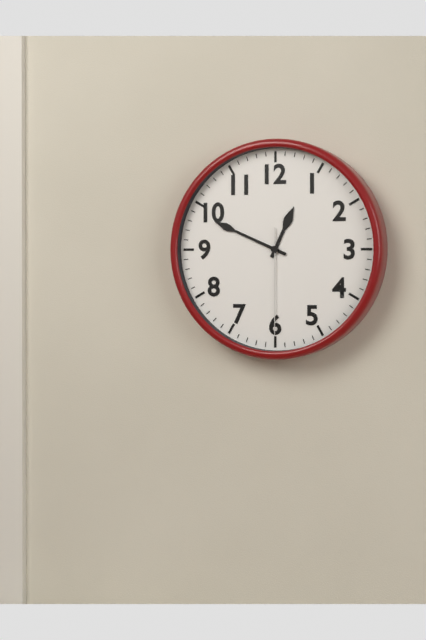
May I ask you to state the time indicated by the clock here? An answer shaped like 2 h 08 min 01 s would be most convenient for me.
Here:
12 h 49 min 30 s
